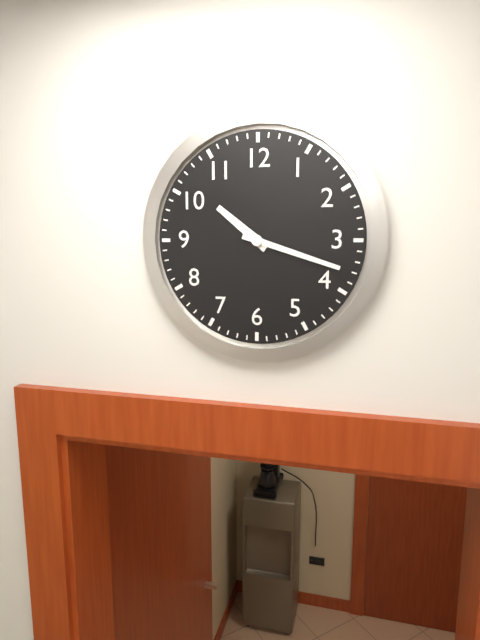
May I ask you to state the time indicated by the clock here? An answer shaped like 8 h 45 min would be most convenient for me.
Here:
10 h 18 min
